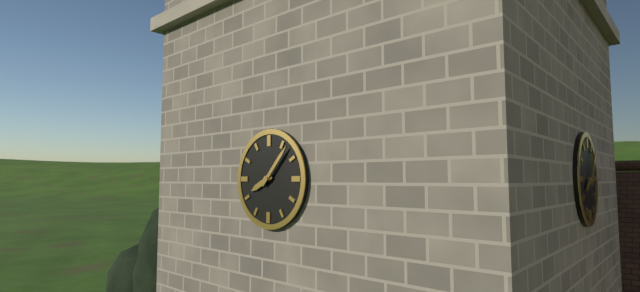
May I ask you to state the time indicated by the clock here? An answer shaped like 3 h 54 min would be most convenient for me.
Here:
8 h 07 min
